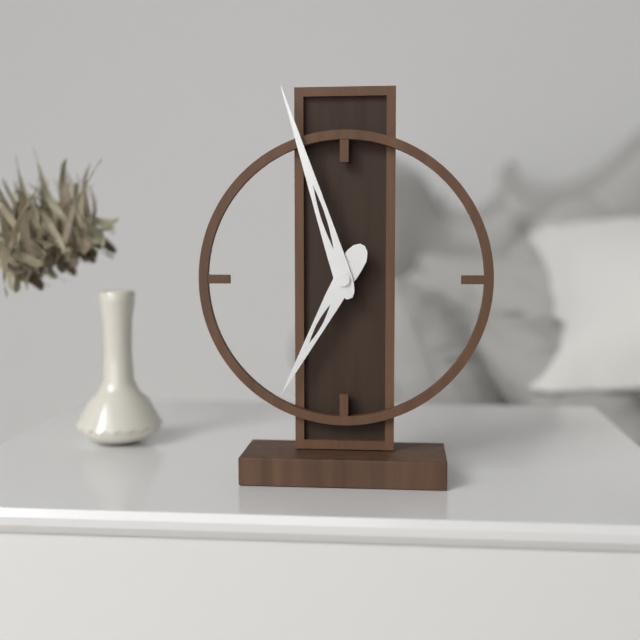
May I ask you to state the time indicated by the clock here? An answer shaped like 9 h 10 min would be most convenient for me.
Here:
6 h 57 min
